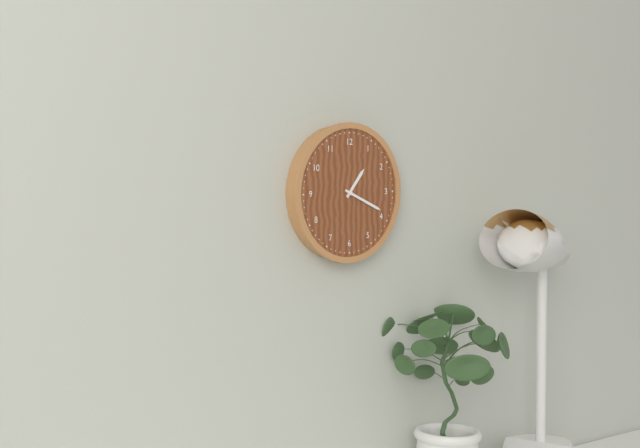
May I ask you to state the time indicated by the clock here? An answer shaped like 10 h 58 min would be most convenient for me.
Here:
1 h 19 min
